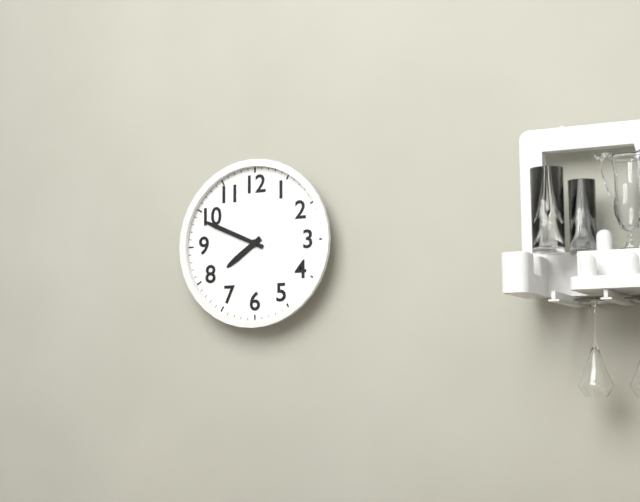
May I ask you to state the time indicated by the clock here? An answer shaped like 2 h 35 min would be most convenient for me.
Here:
7 h 49 min
